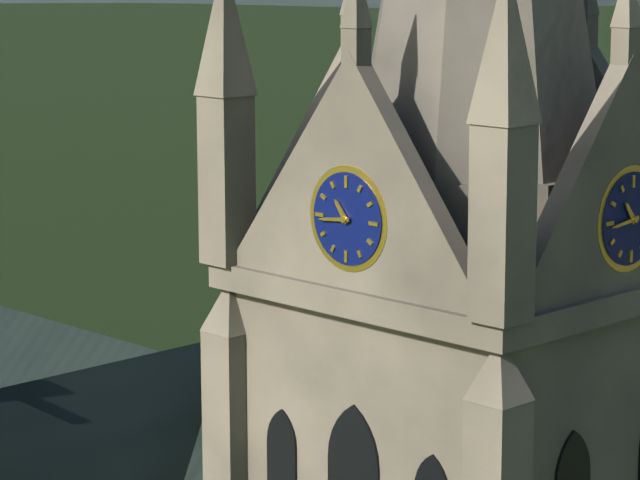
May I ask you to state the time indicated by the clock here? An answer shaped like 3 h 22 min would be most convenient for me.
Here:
10 h 44 min
